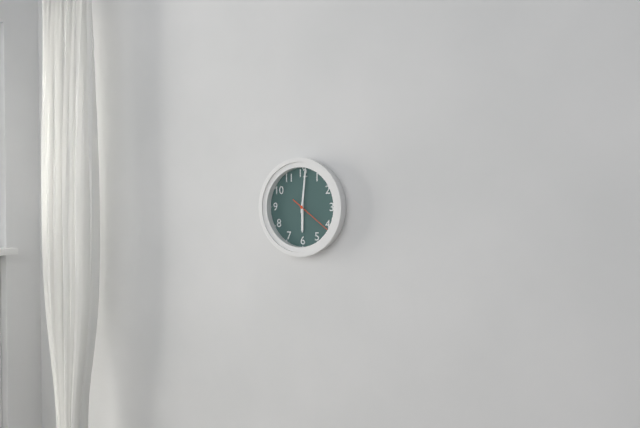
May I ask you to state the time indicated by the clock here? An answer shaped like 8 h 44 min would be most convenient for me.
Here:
6 h 01 min
